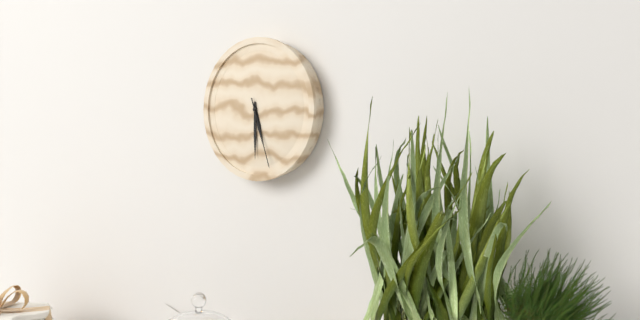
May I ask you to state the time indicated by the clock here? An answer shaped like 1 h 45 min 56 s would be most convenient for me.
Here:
5 h 30 min 27 s
